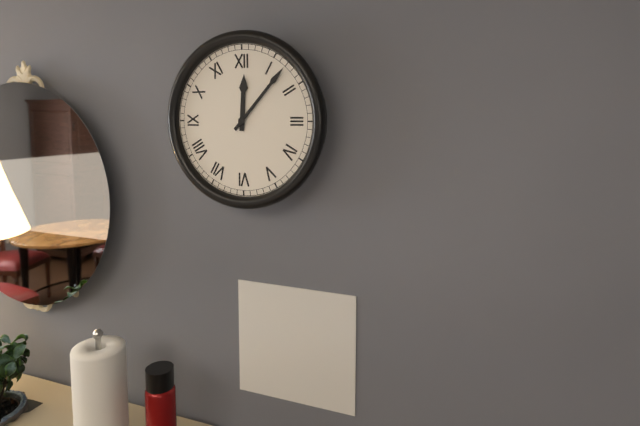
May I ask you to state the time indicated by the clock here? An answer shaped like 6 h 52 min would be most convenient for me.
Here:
12 h 07 min
